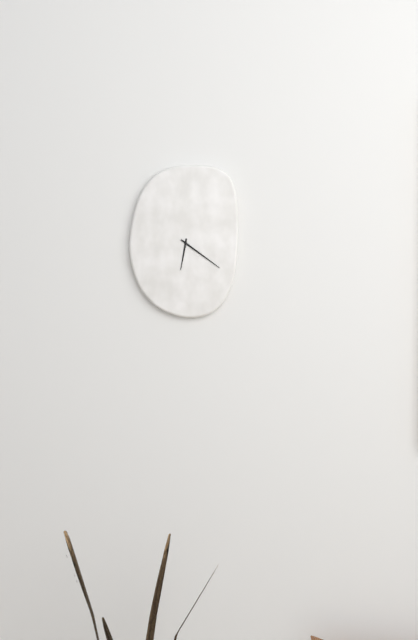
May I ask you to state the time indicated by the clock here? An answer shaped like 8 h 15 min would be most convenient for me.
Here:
6 h 21 min
